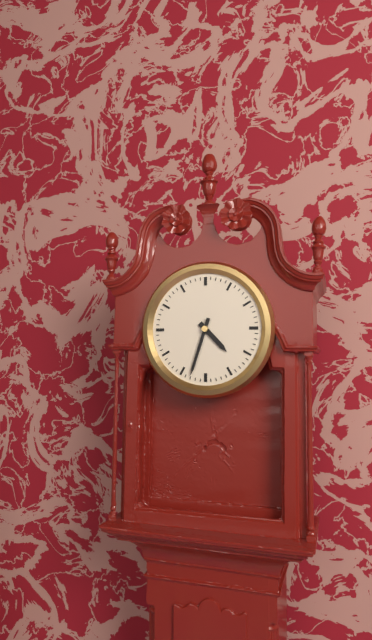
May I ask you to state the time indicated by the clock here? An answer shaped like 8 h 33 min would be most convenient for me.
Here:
4 h 33 min
